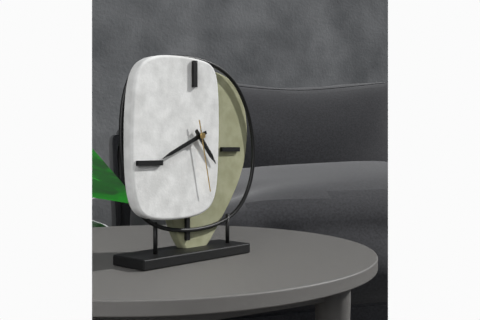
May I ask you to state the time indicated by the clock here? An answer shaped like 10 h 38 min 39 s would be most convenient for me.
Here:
4 h 41 min 28 s
